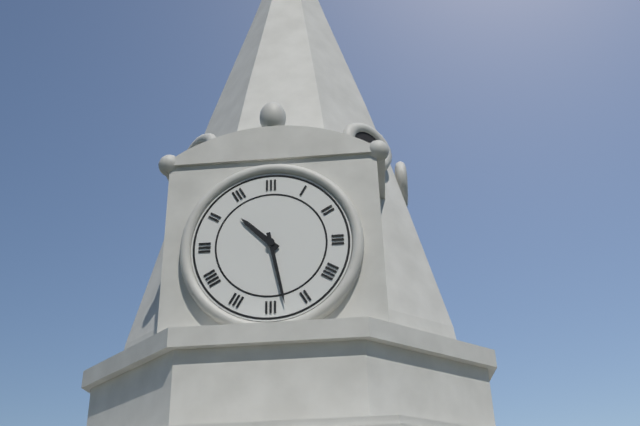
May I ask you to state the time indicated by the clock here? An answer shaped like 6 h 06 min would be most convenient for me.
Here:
10 h 28 min
